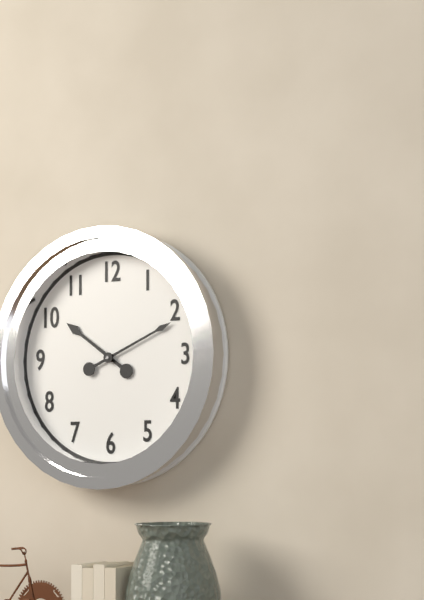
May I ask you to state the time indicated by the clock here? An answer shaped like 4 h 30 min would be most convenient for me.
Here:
10 h 11 min
